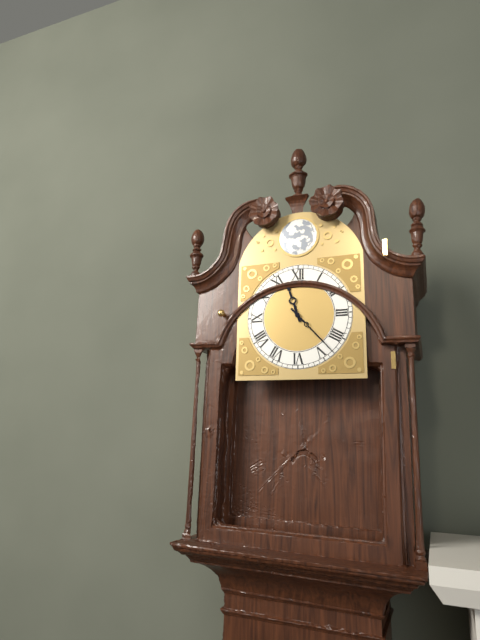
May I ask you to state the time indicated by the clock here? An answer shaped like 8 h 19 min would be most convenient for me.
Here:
11 h 23 min
